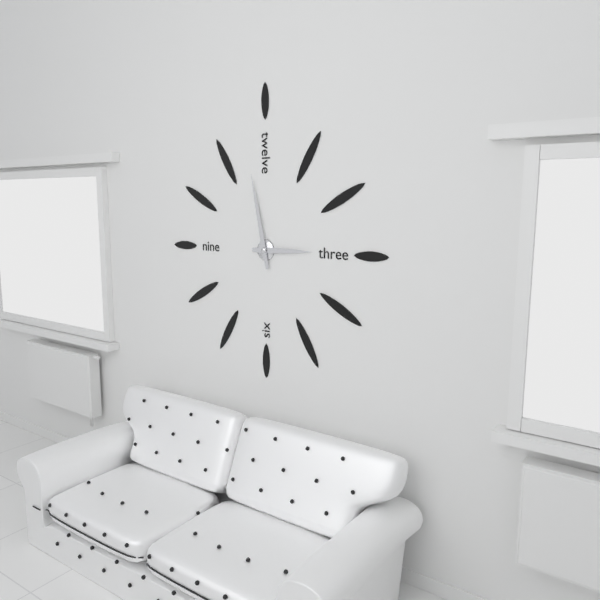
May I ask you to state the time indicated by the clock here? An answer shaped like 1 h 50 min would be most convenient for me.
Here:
2 h 58 min
